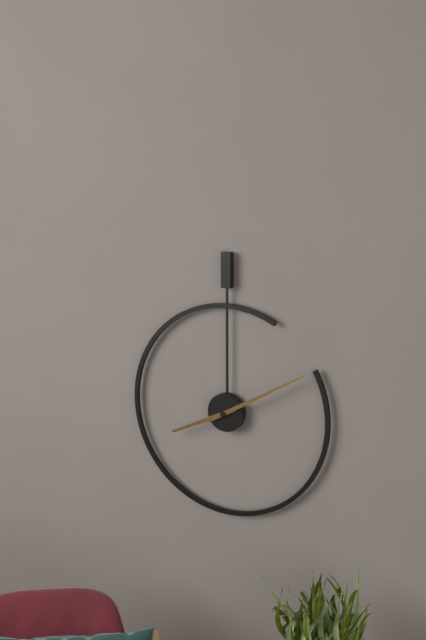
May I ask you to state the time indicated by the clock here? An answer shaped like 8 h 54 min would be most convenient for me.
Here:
8 h 10 min
